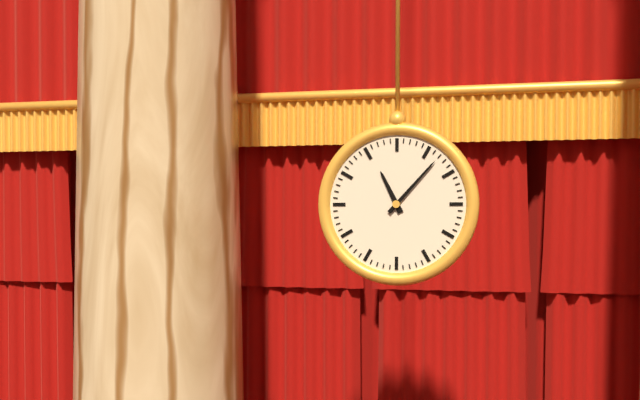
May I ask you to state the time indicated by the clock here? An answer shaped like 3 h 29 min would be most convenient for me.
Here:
11 h 07 min
